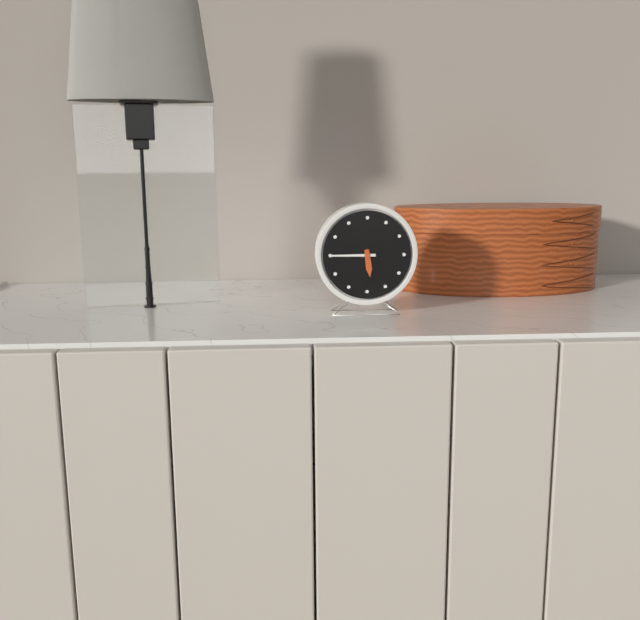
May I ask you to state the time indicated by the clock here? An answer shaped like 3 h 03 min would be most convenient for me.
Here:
5 h 45 min
